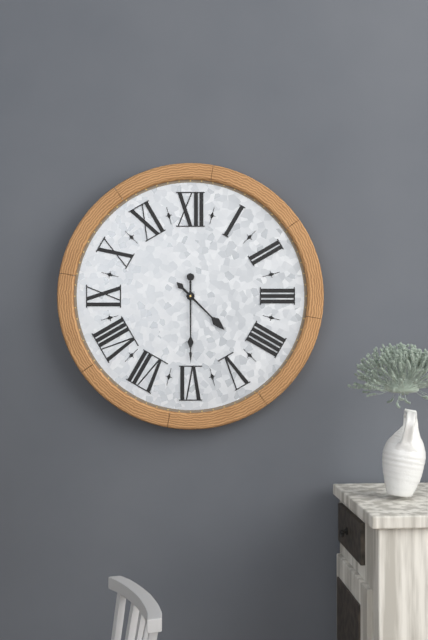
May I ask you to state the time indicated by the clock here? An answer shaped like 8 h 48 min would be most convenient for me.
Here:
4 h 30 min
